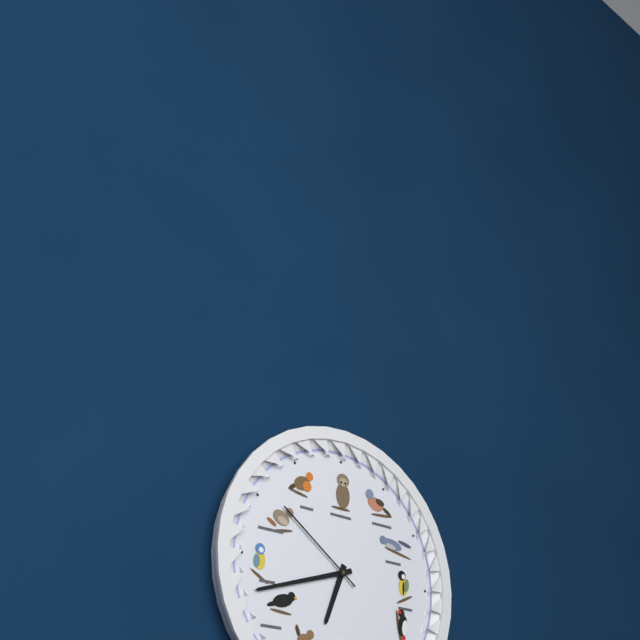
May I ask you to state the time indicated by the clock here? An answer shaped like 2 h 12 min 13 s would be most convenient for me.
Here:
6 h 42 min 51 s
